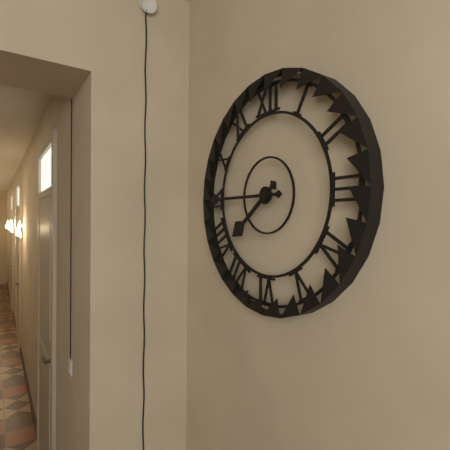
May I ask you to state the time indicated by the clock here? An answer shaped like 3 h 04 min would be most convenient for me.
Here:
7 h 45 min
